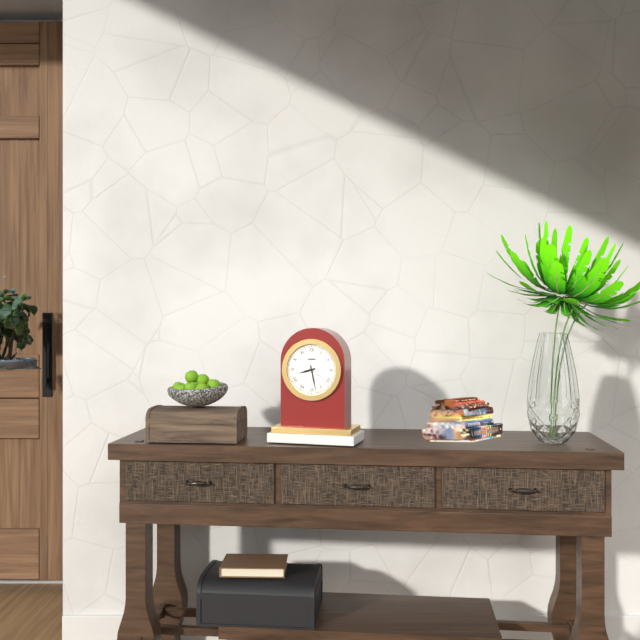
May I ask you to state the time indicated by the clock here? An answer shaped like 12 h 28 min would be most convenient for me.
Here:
8 h 28 min
